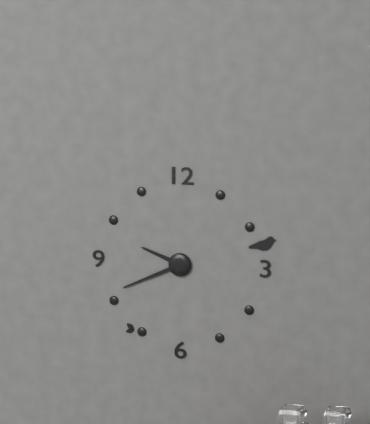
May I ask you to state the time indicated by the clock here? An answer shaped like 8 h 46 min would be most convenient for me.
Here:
9 h 41 min
